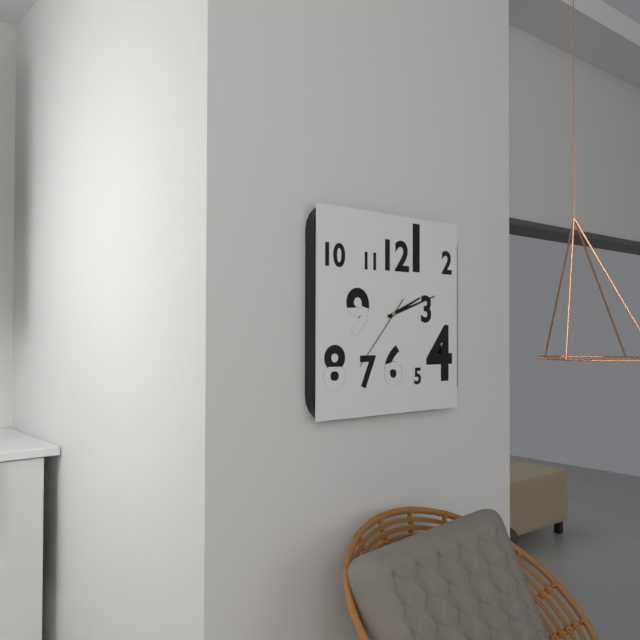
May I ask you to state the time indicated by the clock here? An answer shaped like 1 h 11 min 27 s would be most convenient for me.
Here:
2 h 12 min 37 s
